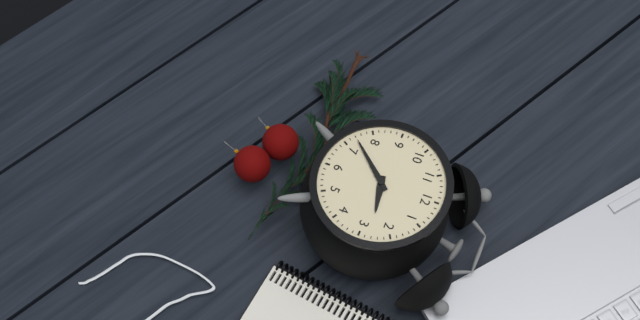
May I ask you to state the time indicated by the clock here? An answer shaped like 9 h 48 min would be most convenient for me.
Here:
2 h 37 min
